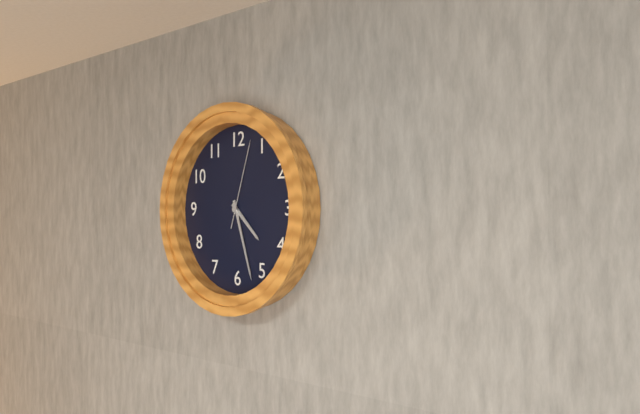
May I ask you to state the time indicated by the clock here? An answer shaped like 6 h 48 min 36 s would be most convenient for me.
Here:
4 h 27 min 03 s
